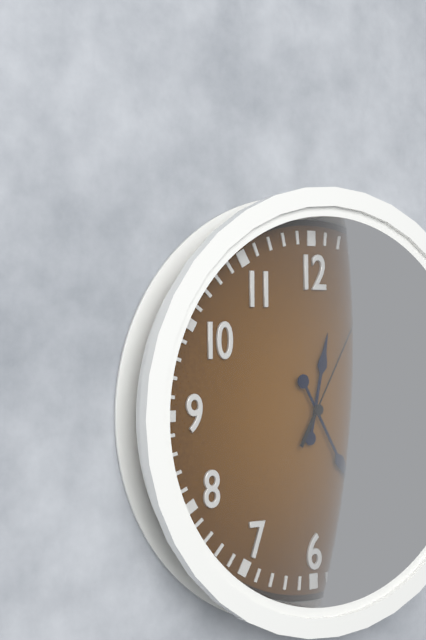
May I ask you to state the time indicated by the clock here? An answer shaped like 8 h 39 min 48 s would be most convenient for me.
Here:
12 h 25 min 05 s
